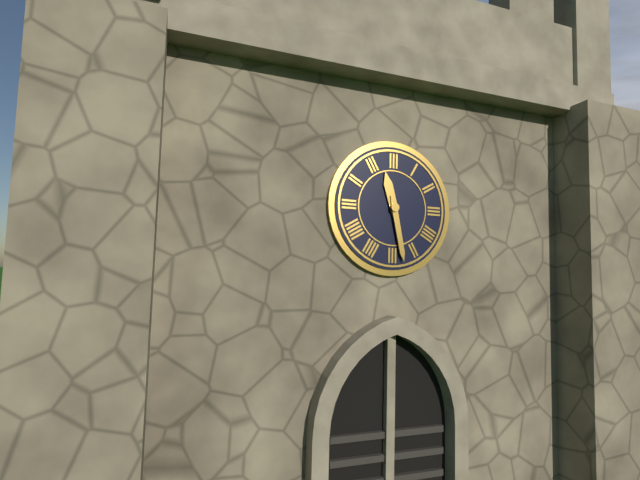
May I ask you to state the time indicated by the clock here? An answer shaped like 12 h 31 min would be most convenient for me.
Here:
11 h 28 min
